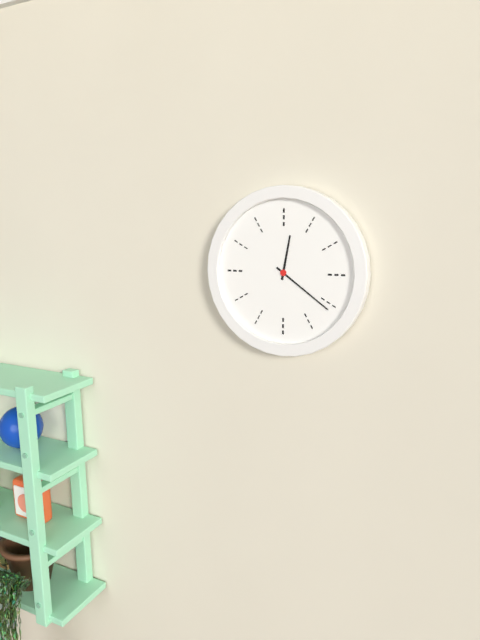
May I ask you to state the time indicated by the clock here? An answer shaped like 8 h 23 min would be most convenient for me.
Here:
12 h 21 min
